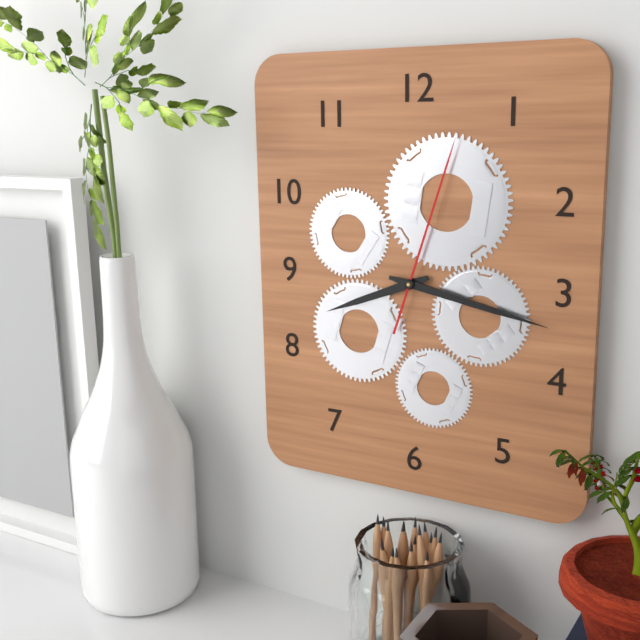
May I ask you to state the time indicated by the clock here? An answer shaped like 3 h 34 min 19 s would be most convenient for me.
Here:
8 h 17 min 03 s
